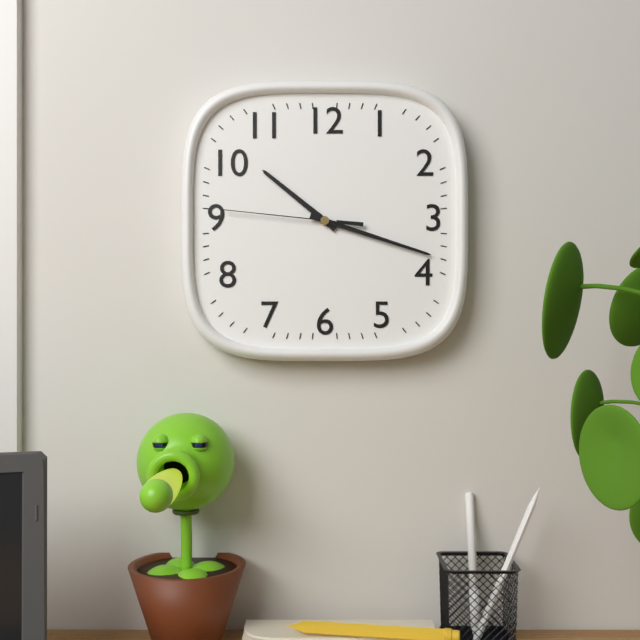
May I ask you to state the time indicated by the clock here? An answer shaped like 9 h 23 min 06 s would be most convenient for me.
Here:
10 h 18 min 46 s
